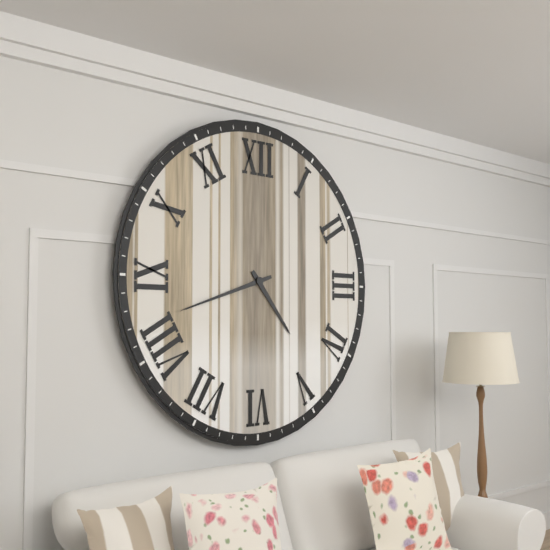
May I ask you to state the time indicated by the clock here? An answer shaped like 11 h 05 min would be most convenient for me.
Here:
4 h 42 min
